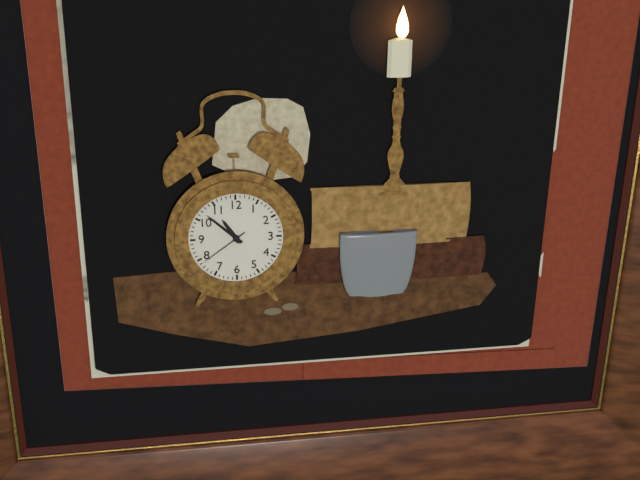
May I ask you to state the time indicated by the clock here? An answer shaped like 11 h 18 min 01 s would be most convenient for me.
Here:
10 h 52 min 39 s
